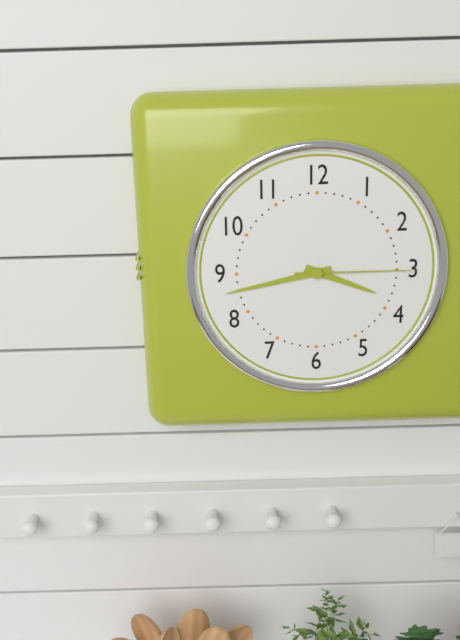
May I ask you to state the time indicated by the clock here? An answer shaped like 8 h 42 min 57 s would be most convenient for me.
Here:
3 h 43 min 15 s
